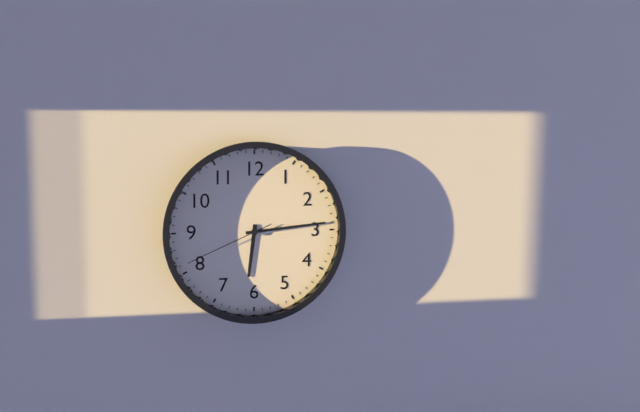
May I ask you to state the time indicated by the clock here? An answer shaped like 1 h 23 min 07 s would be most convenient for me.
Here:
6 h 14 min 41 s
